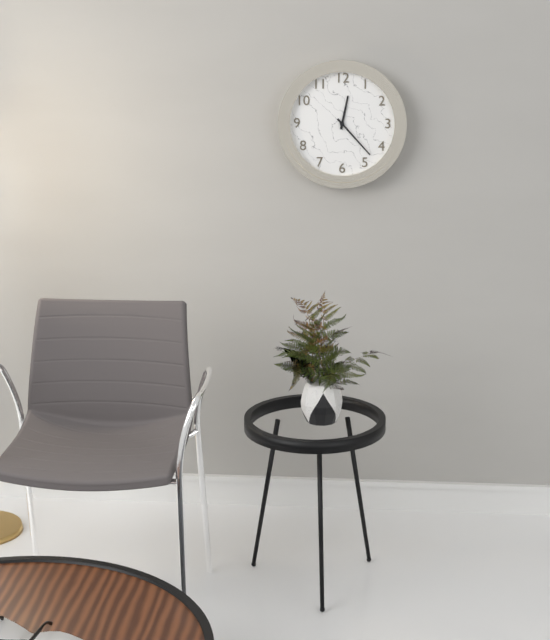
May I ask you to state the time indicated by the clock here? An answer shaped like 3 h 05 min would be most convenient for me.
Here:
12 h 23 min
